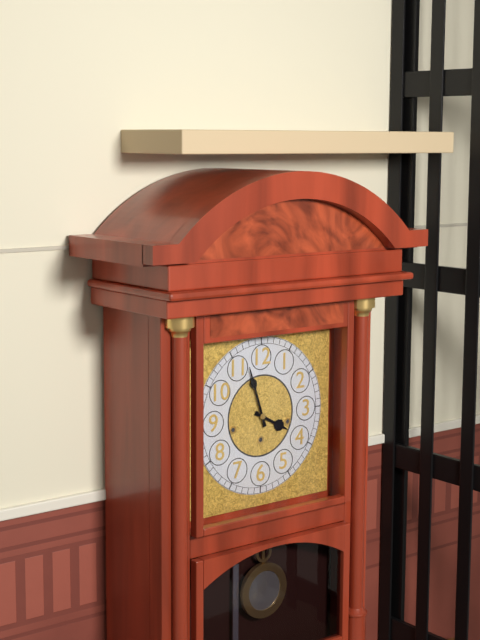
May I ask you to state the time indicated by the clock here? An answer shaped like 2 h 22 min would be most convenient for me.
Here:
3 h 57 min
